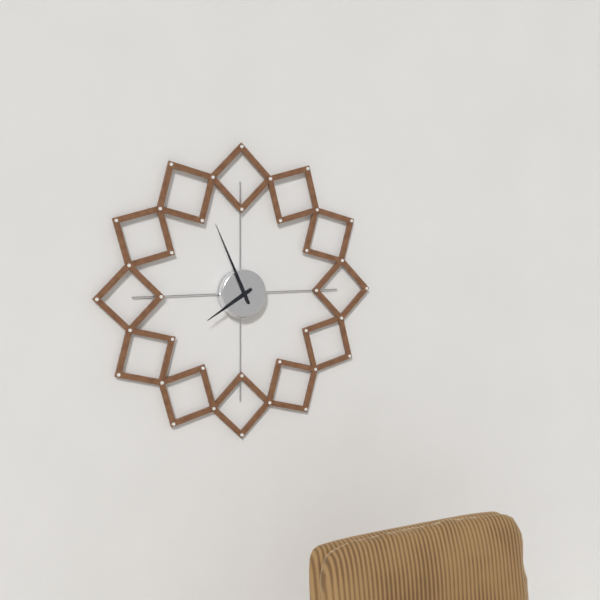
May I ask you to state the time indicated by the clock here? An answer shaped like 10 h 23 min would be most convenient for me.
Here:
7 h 56 min
